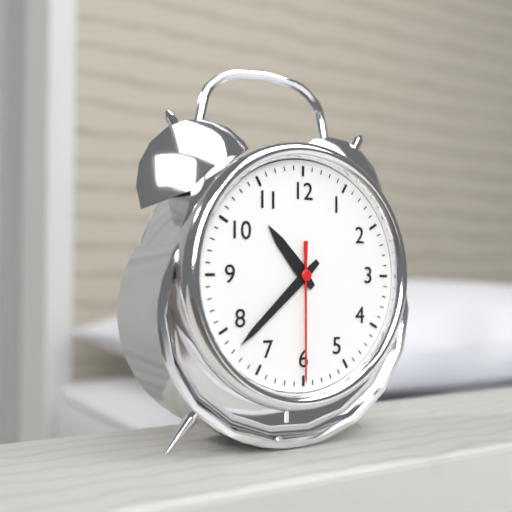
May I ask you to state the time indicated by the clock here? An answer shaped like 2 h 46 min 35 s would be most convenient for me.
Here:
10 h 38 min 30 s
